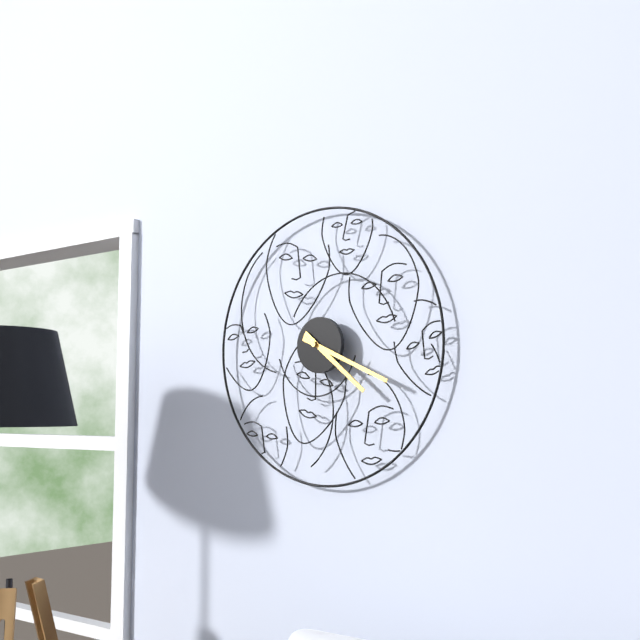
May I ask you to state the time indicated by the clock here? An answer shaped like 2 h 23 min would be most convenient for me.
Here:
4 h 19 min
